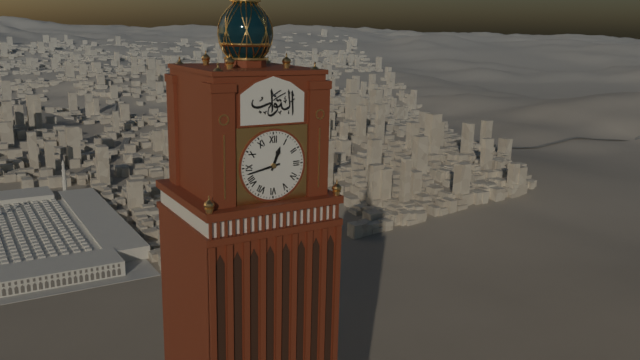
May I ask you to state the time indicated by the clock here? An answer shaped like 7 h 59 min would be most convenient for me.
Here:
12 h 43 min
